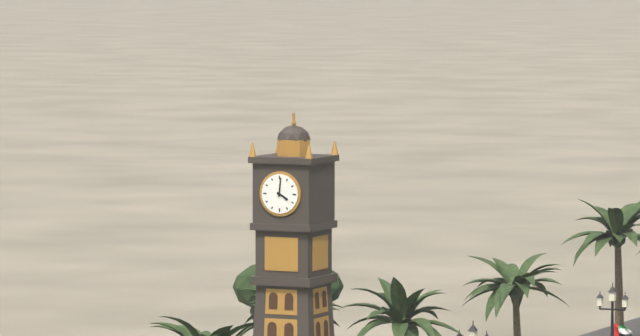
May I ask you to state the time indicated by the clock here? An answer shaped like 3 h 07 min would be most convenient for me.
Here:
4 h 01 min
